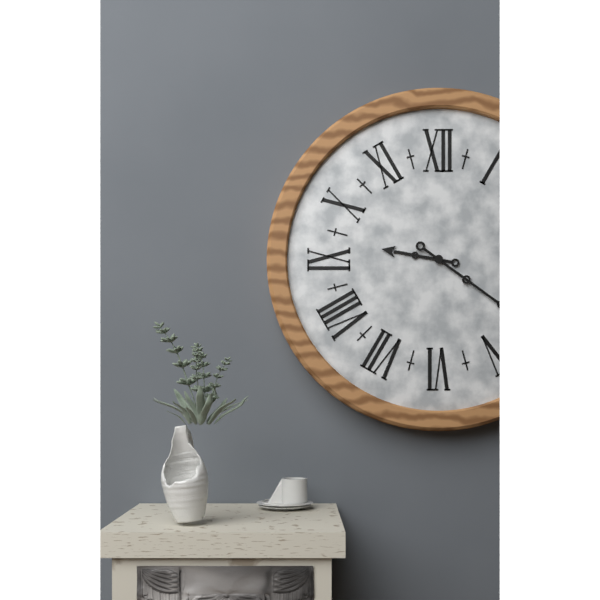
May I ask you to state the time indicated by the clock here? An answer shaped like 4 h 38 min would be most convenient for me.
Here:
9 h 21 min
